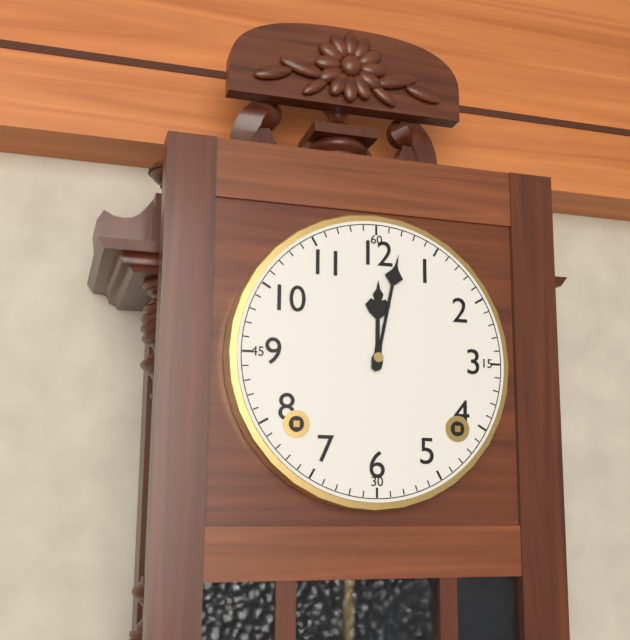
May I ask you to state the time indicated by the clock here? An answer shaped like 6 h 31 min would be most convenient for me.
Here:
12 h 02 min
